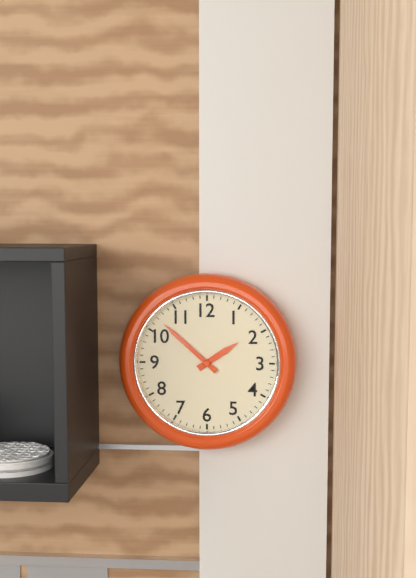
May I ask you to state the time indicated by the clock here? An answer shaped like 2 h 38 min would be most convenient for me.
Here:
1 h 52 min
